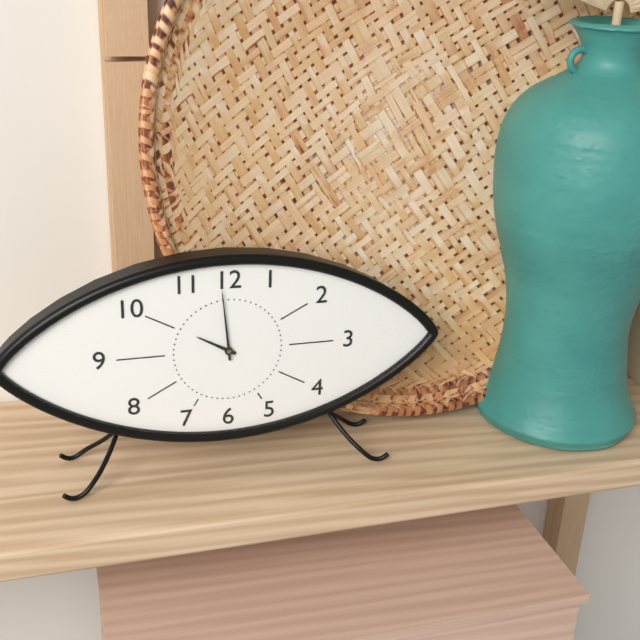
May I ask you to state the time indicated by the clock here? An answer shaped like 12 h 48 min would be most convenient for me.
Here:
9 h 59 min
